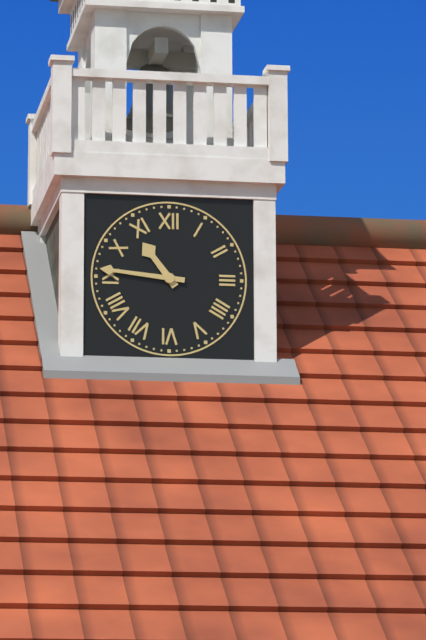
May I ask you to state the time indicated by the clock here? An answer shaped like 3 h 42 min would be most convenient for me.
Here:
10 h 46 min
